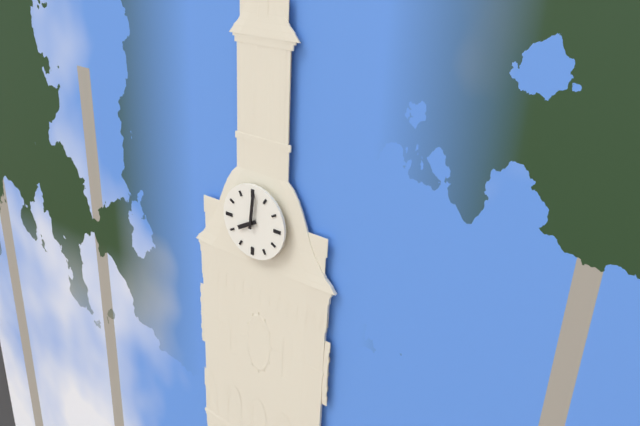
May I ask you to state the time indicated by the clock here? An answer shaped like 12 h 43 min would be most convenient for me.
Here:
8 h 01 min
